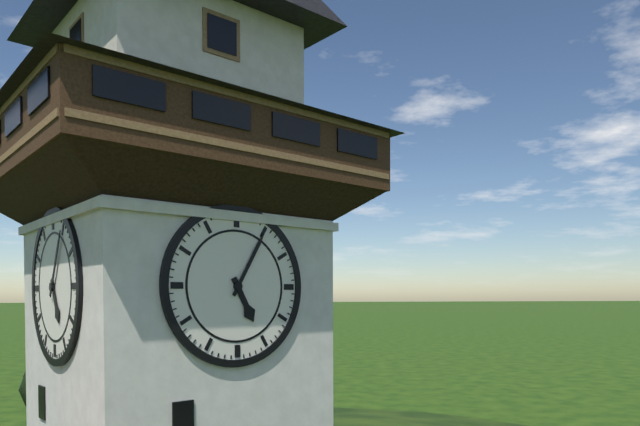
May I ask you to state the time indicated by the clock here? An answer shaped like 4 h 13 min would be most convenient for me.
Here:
5 h 05 min
